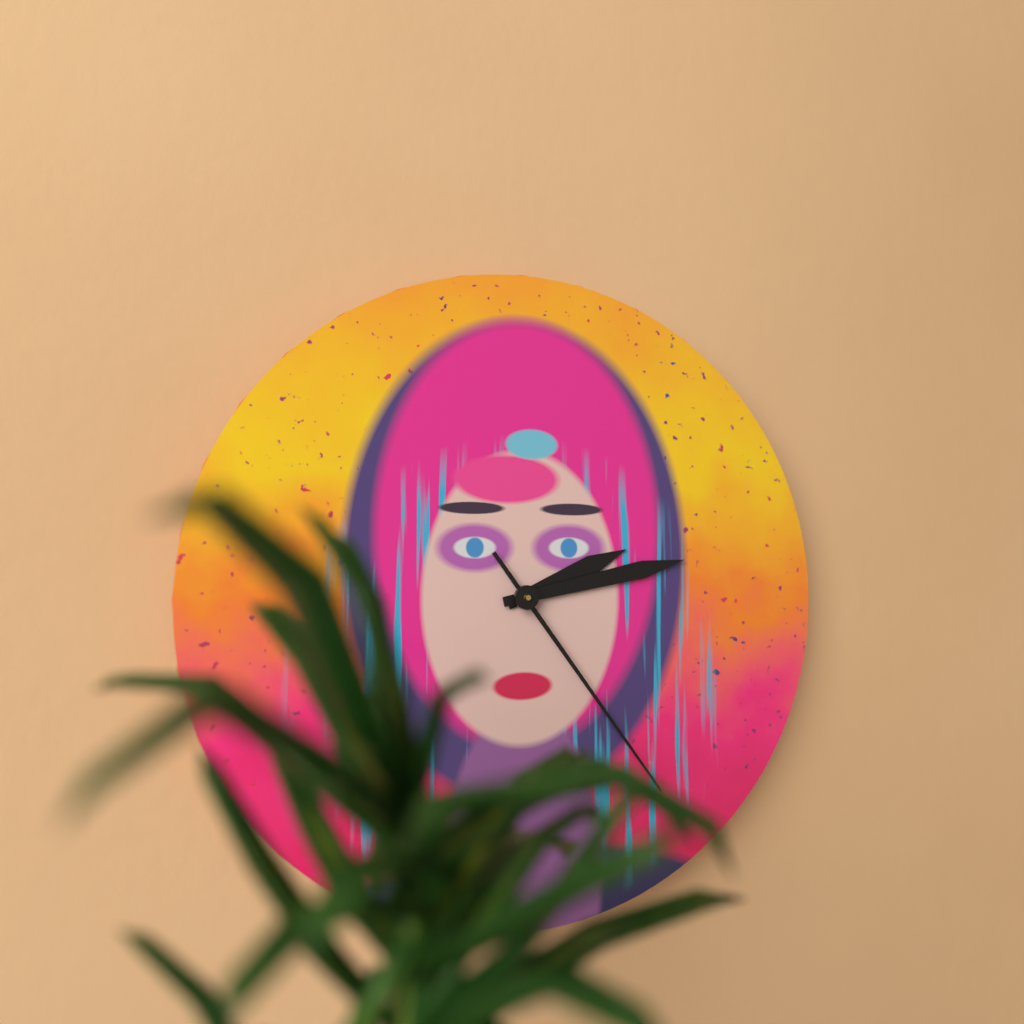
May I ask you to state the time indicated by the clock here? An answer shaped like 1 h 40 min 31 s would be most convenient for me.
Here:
2 h 13 min 24 s
